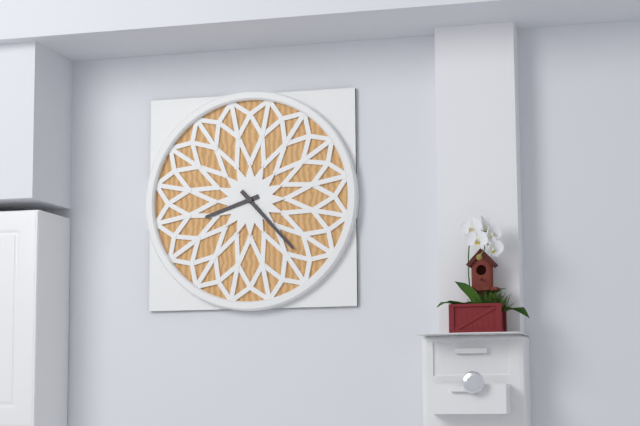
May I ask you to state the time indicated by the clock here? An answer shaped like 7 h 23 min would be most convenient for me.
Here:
8 h 23 min
